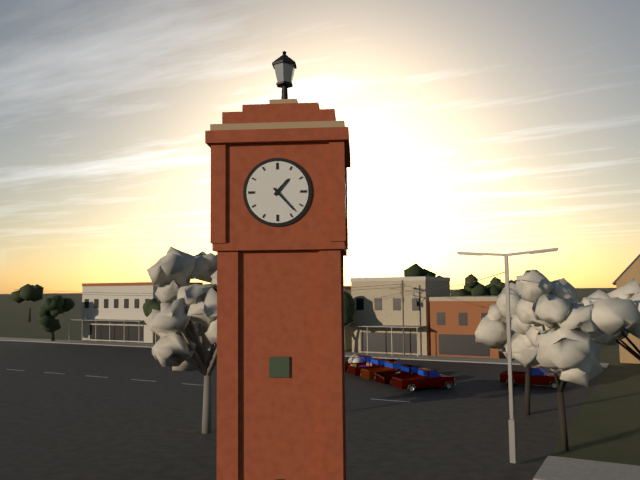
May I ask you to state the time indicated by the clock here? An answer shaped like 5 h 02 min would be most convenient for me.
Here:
1 h 23 min
